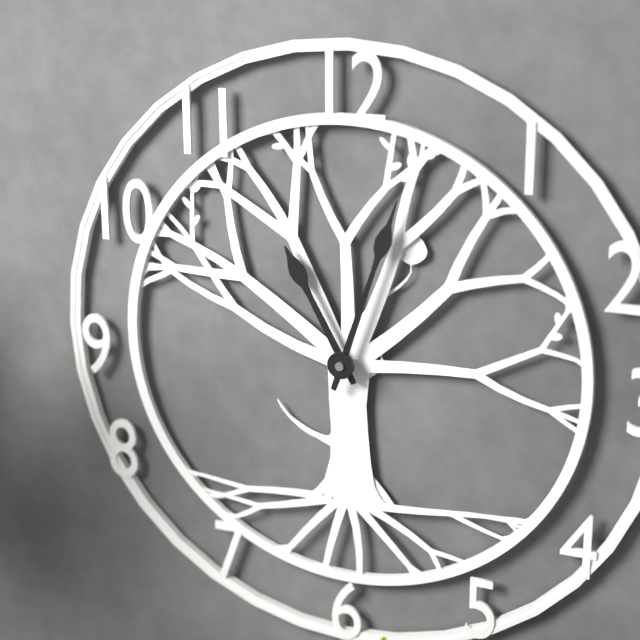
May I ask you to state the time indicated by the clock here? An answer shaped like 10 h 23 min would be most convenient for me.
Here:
11 h 03 min
